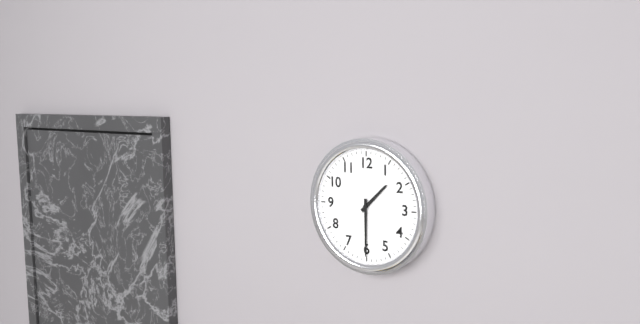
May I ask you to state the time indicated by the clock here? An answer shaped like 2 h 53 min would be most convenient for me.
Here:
1 h 30 min
